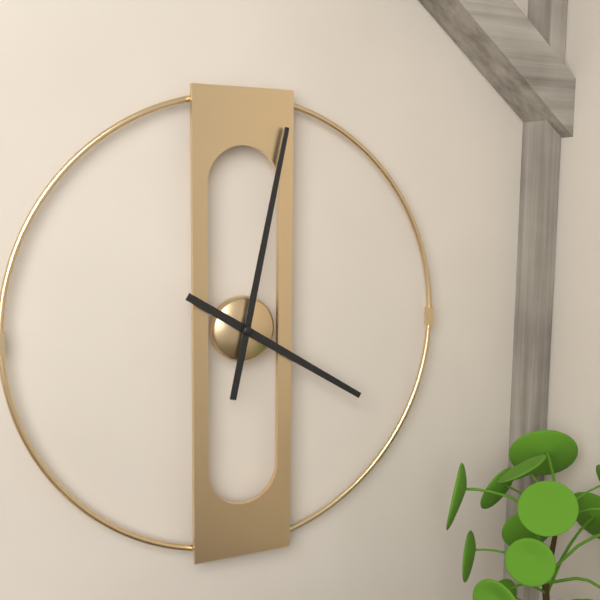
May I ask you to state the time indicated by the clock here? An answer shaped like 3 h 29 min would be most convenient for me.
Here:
4 h 02 min
